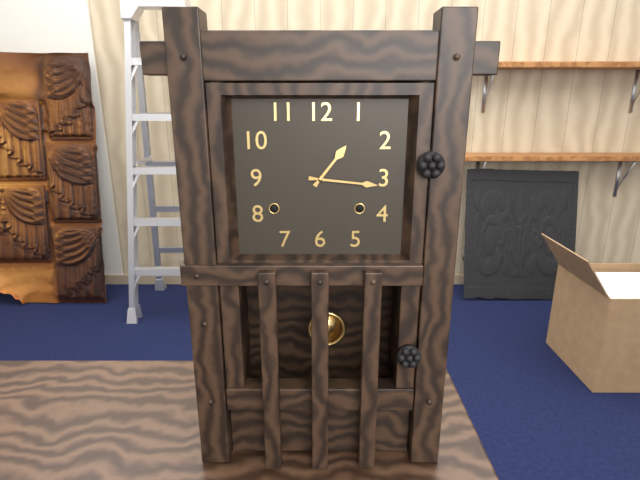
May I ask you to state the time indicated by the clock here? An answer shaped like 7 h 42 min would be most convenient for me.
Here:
1 h 16 min
